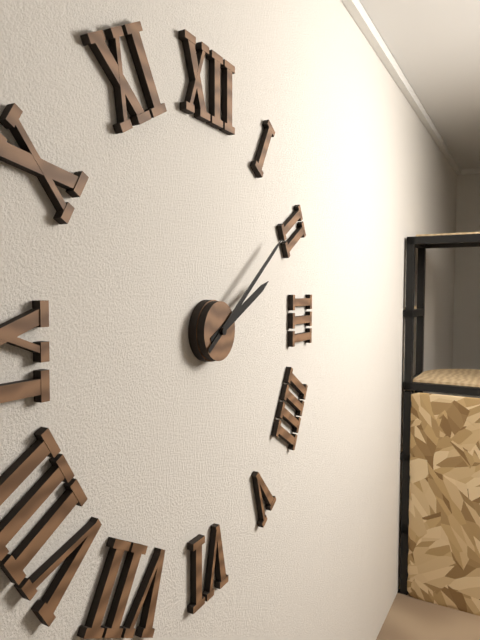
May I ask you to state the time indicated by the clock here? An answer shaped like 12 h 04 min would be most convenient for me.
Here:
2 h 09 min
